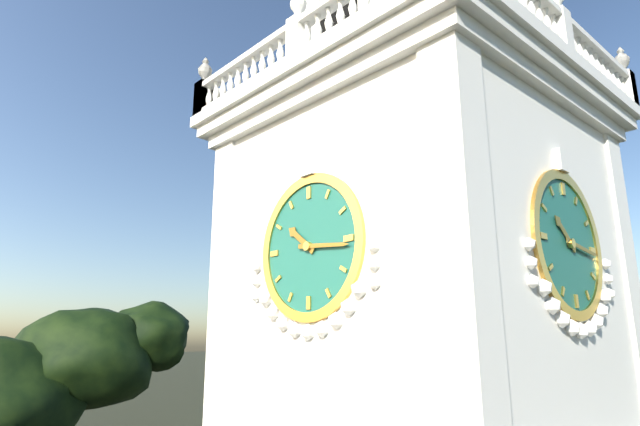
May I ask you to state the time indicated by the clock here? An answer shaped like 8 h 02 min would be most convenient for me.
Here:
10 h 16 min
